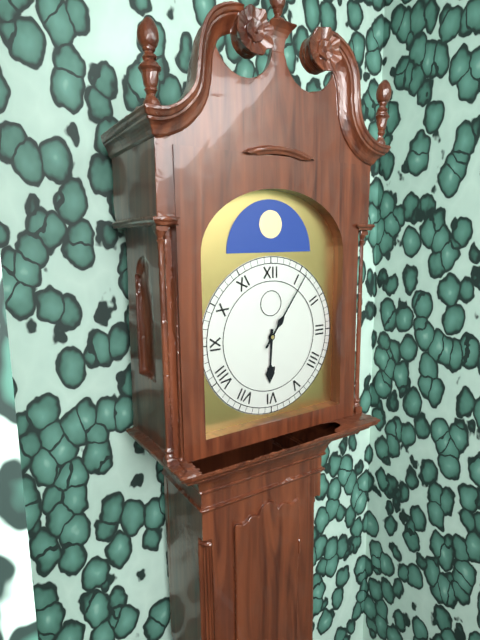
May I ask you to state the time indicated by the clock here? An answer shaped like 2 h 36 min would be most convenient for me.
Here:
6 h 06 min
